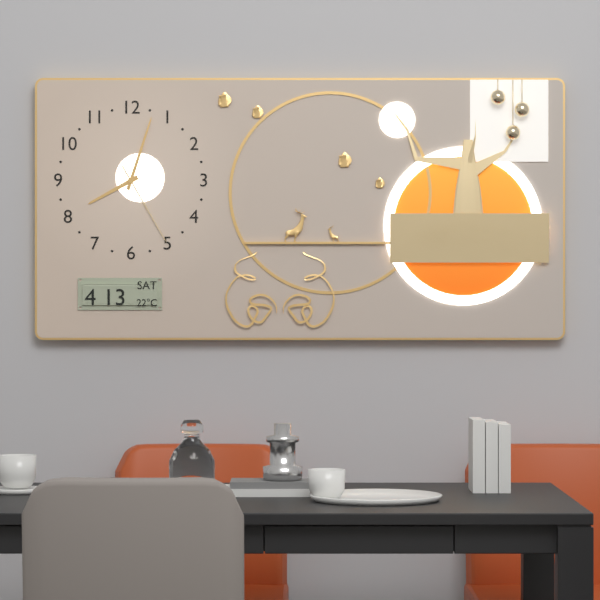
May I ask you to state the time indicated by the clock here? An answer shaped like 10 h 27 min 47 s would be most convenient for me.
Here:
8 h 03 min 25 s
